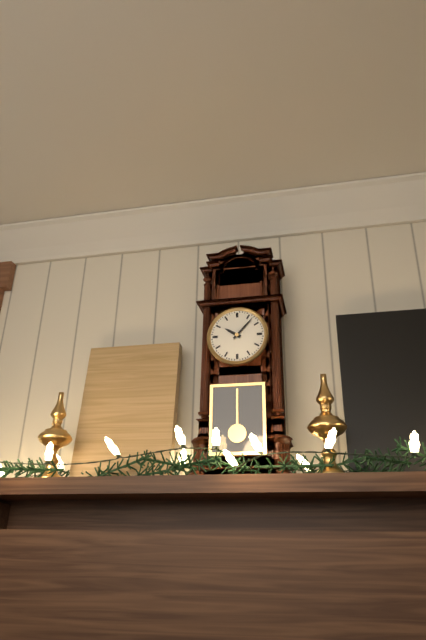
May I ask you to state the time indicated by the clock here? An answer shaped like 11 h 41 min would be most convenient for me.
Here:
10 h 07 min
